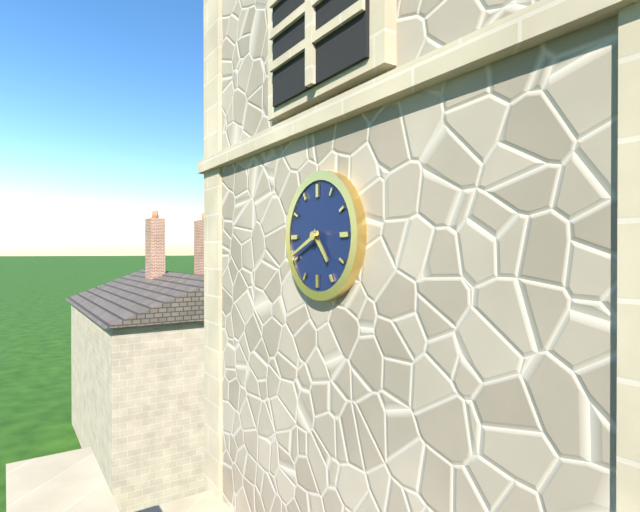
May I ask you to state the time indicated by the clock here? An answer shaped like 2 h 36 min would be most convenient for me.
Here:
4 h 41 min
